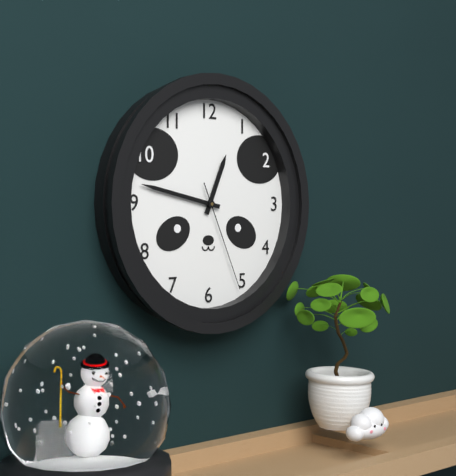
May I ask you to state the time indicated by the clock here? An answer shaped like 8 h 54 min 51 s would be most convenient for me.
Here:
12 h 47 min 26 s
